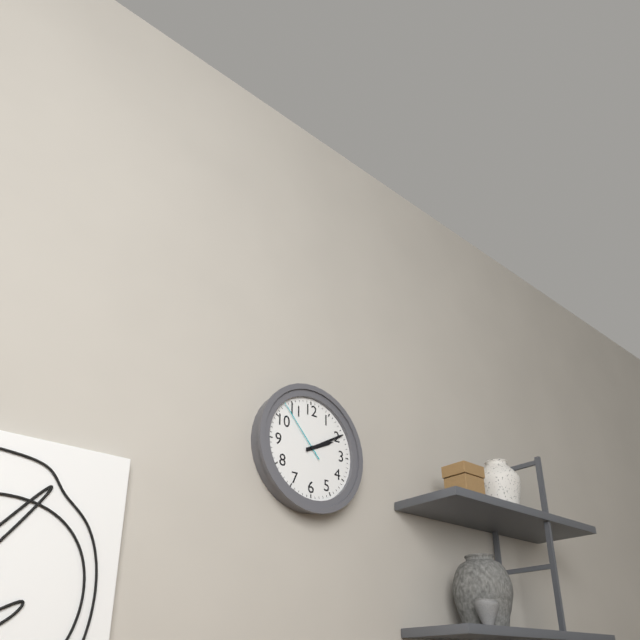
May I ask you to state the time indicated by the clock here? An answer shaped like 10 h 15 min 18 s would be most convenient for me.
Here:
2 h 10 min 53 s
